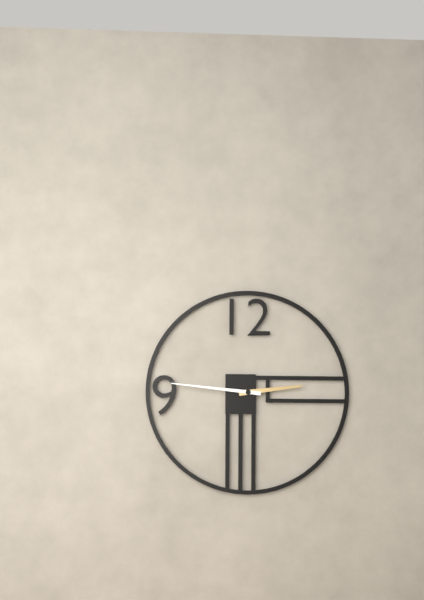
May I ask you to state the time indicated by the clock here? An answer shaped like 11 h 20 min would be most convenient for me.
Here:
2 h 46 min
